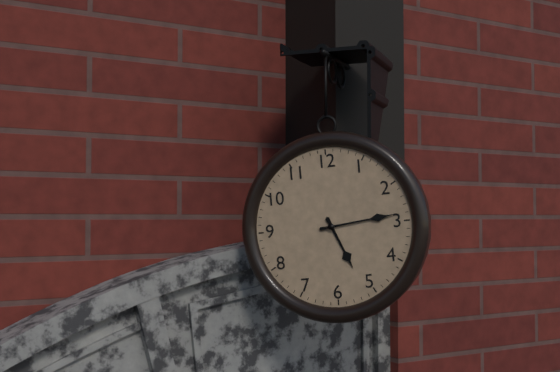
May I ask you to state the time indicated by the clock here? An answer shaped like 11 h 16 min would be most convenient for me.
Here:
5 h 14 min
